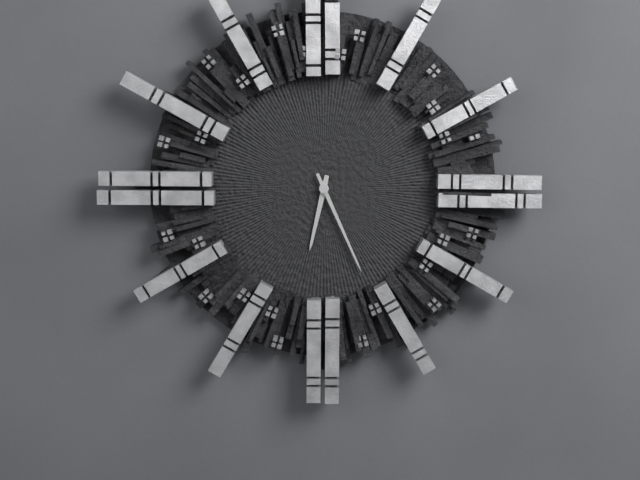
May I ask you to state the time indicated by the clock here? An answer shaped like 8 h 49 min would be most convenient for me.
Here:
6 h 26 min
